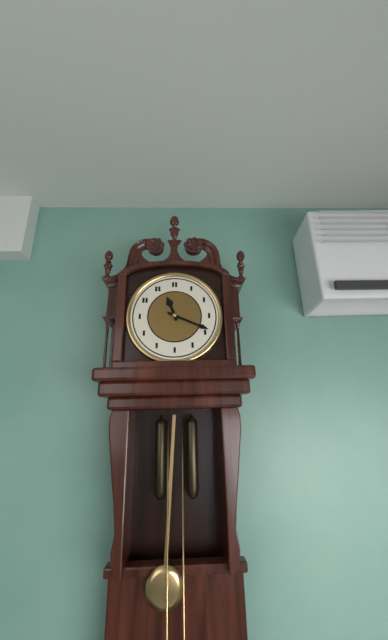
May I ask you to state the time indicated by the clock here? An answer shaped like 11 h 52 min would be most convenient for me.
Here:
11 h 19 min
